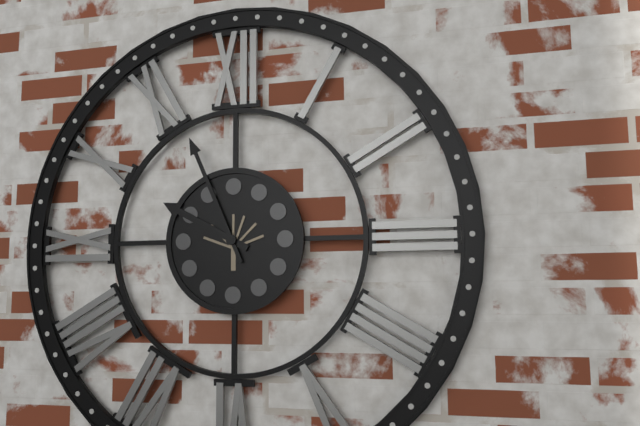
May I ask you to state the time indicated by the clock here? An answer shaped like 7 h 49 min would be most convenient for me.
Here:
9 h 56 min
